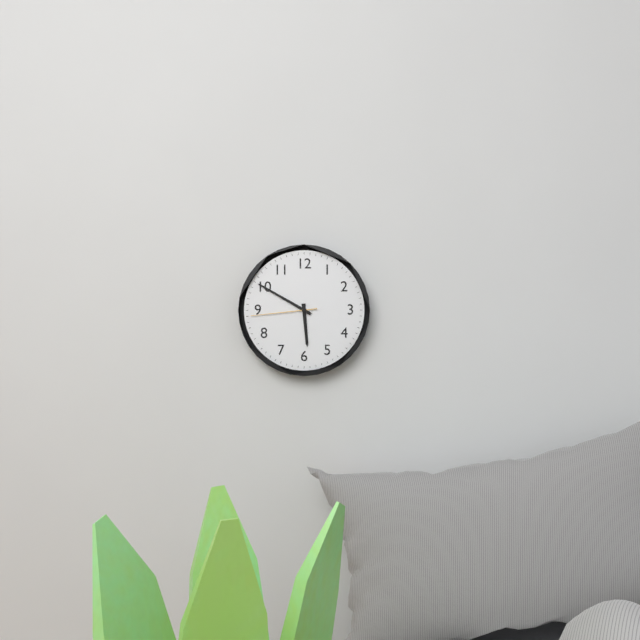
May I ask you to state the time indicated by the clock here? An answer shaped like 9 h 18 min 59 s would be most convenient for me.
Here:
5 h 50 min 44 s
